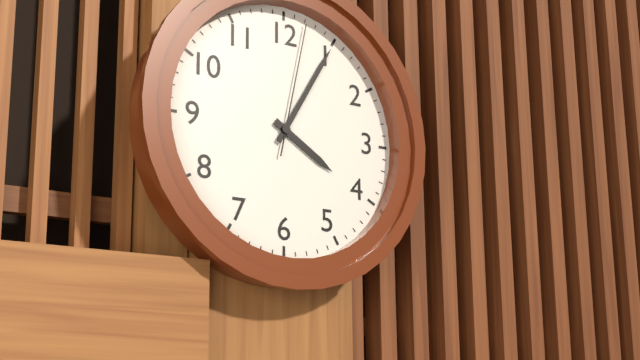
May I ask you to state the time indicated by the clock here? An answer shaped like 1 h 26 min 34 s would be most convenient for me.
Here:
4 h 05 min 02 s
